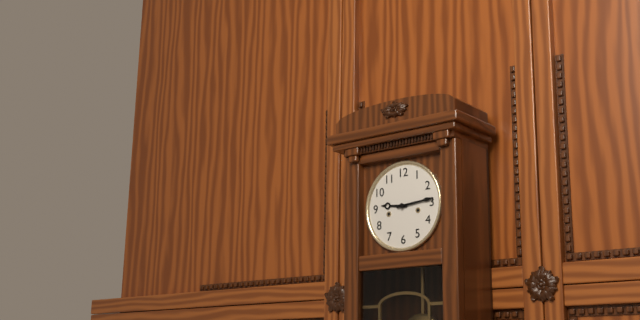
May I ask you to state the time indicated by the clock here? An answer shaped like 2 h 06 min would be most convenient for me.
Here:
9 h 14 min
